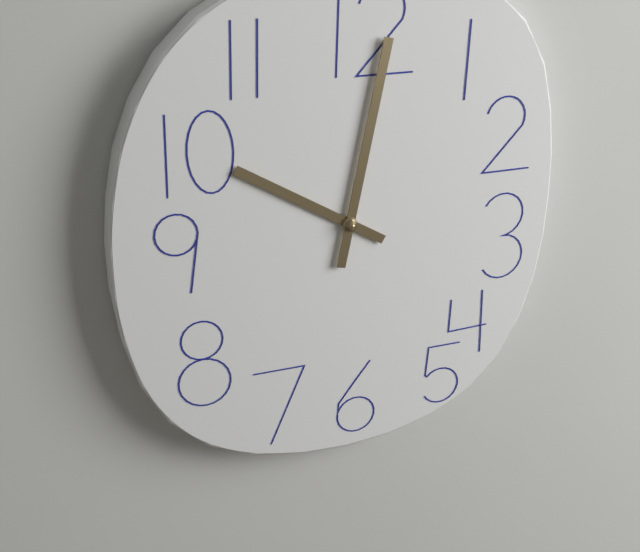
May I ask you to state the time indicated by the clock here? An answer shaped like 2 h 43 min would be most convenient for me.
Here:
10 h 02 min
